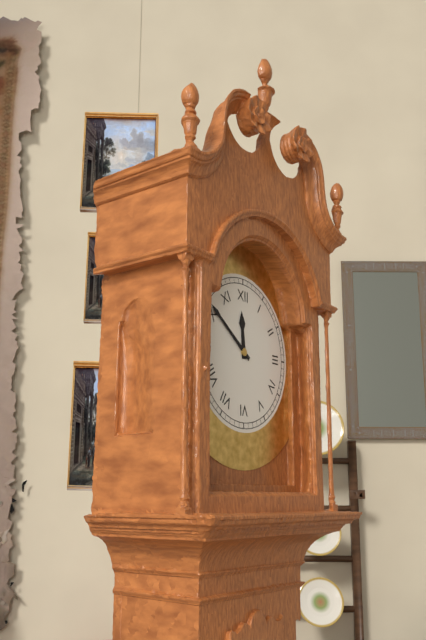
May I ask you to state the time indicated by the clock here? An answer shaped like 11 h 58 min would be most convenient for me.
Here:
11 h 51 min
